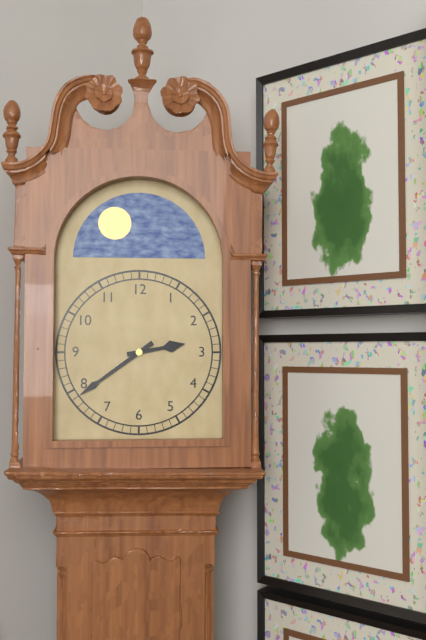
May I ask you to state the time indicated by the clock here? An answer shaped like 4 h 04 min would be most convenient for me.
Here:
2 h 39 min
